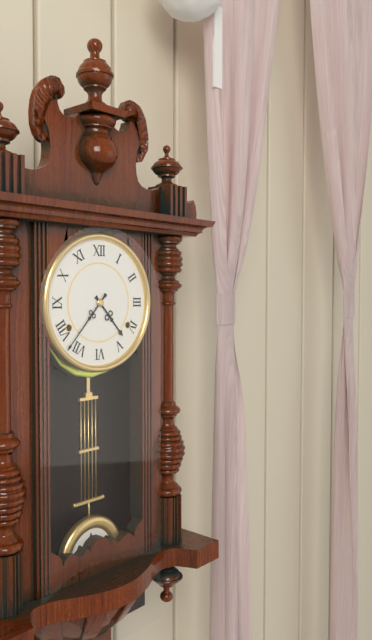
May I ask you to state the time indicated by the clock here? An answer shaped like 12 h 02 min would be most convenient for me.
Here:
4 h 37 min
